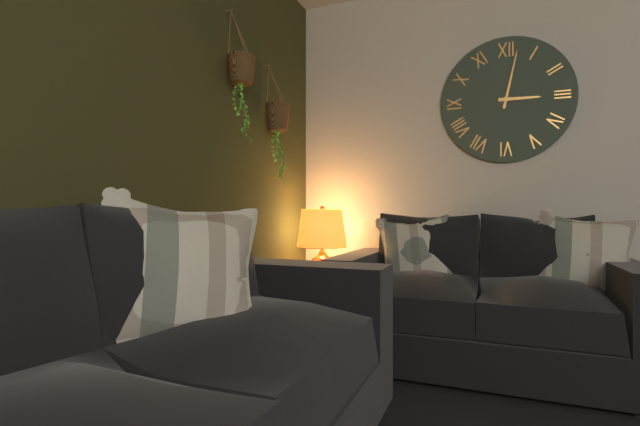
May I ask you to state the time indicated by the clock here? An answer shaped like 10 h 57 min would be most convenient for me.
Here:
3 h 02 min
